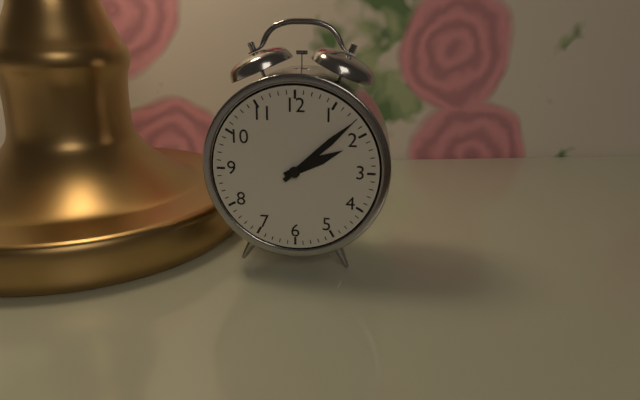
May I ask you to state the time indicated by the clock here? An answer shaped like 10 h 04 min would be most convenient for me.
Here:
2 h 08 min
